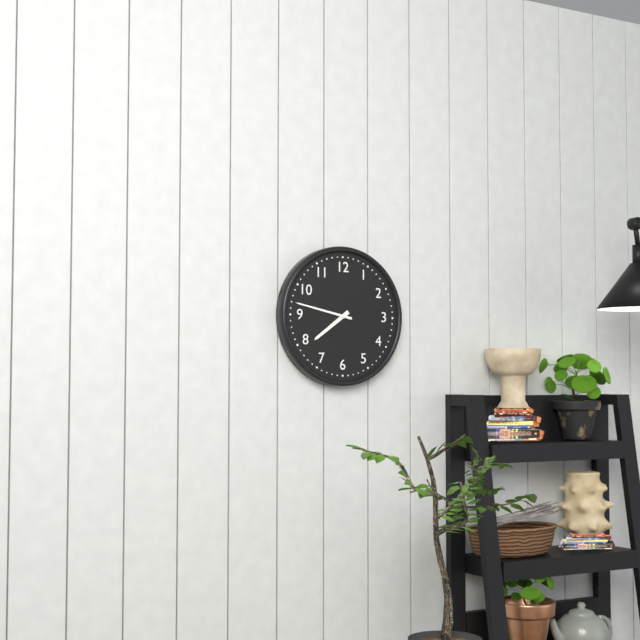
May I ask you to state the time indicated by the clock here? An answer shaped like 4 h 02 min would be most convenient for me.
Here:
7 h 47 min
